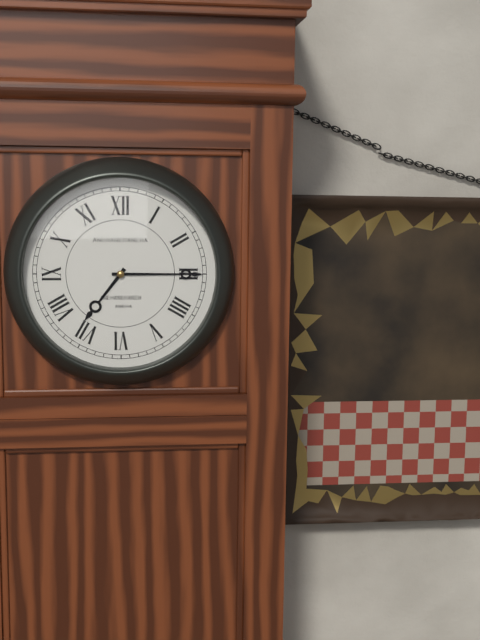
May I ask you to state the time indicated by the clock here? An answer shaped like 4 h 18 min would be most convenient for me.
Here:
7 h 15 min
